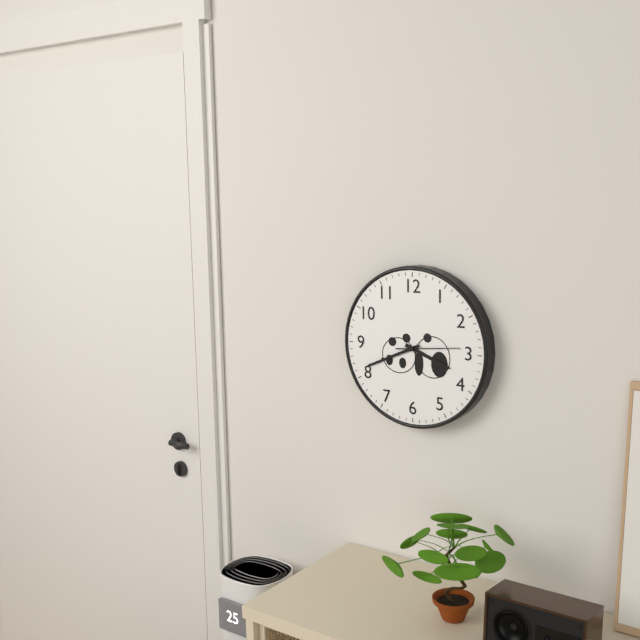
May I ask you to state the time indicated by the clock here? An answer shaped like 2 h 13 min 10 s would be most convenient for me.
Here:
3 h 41 min 14 s
